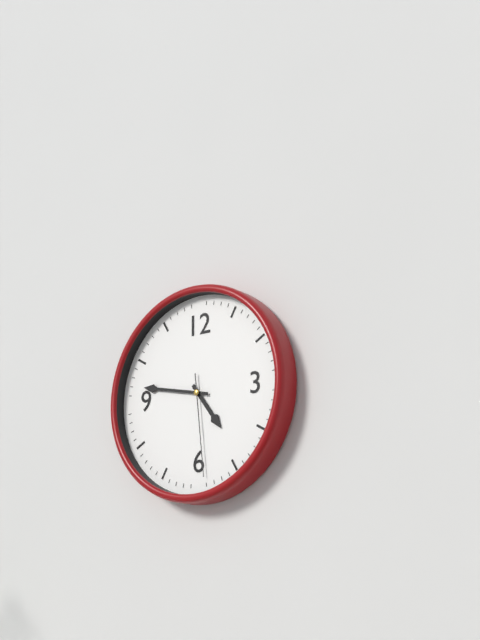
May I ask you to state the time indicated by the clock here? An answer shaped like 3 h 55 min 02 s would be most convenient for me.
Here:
4 h 47 min 29 s
